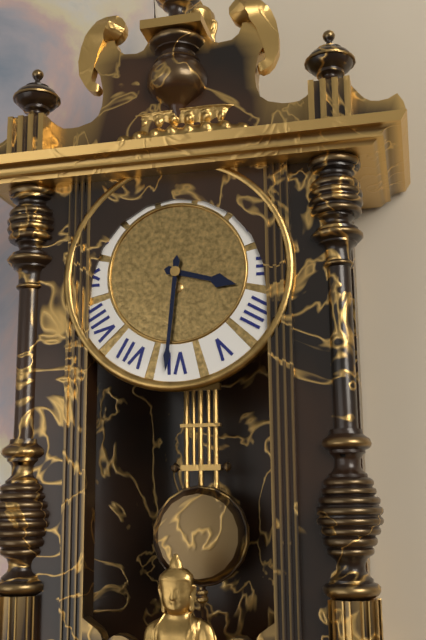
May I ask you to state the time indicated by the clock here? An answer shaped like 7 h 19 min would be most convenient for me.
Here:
3 h 31 min
